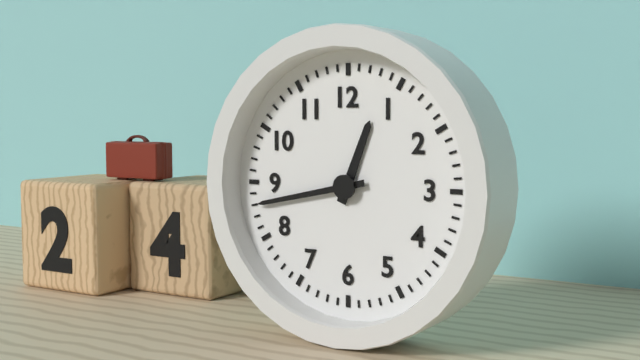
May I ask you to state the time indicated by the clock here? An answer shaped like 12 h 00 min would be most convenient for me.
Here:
12 h 43 min
